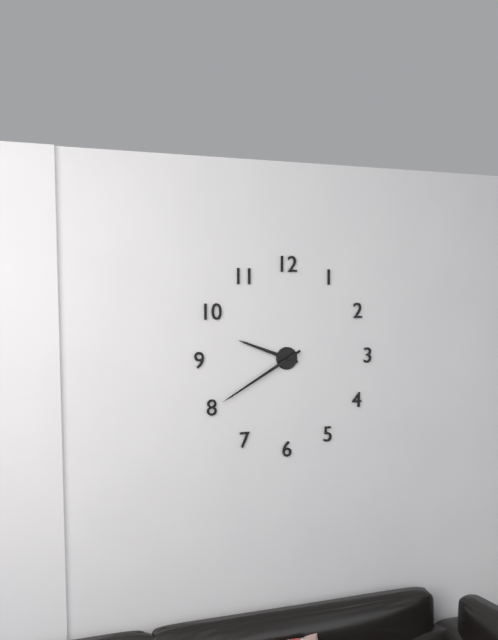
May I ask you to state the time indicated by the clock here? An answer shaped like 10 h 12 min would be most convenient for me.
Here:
9 h 40 min
